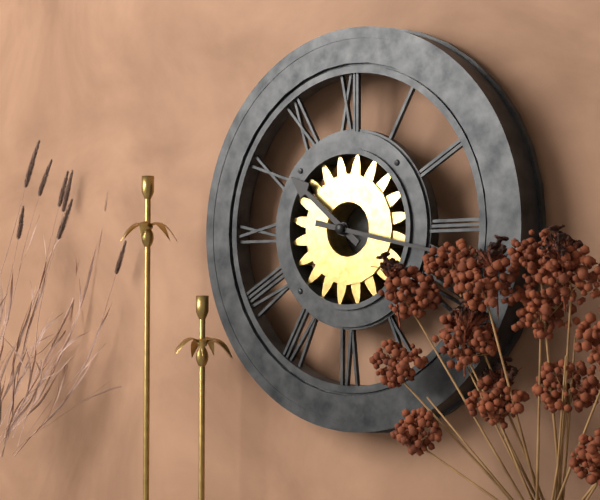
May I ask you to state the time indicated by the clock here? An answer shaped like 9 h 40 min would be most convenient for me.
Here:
10 h 17 min
